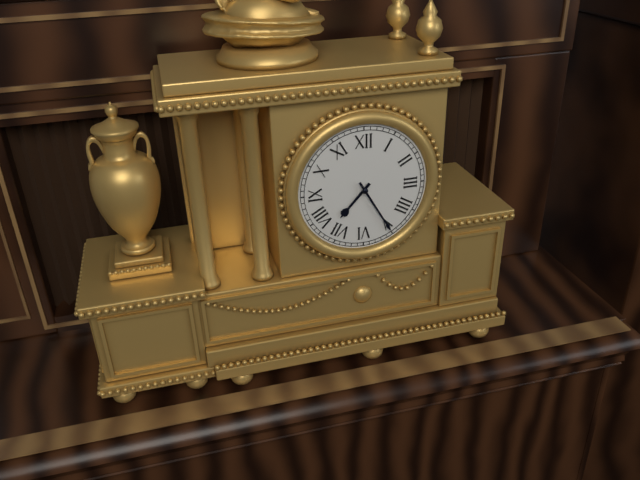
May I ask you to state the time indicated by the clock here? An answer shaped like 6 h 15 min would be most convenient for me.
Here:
7 h 25 min
